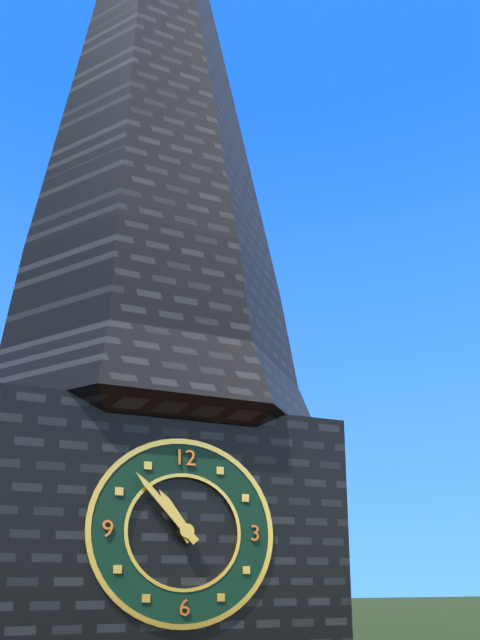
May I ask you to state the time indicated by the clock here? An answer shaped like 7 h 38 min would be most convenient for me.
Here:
10 h 53 min
